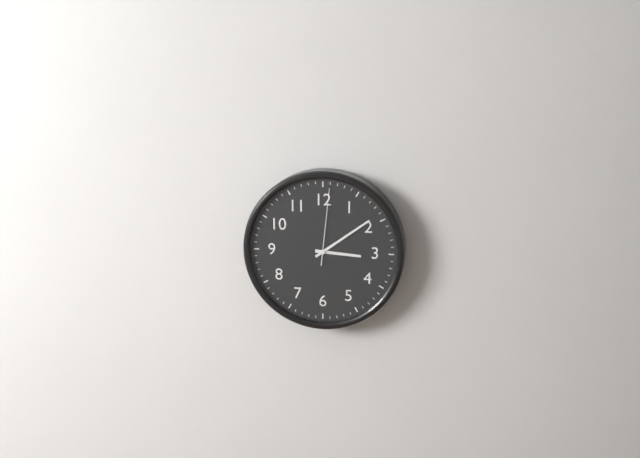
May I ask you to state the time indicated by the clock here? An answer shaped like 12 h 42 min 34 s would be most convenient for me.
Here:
3 h 09 min 01 s
